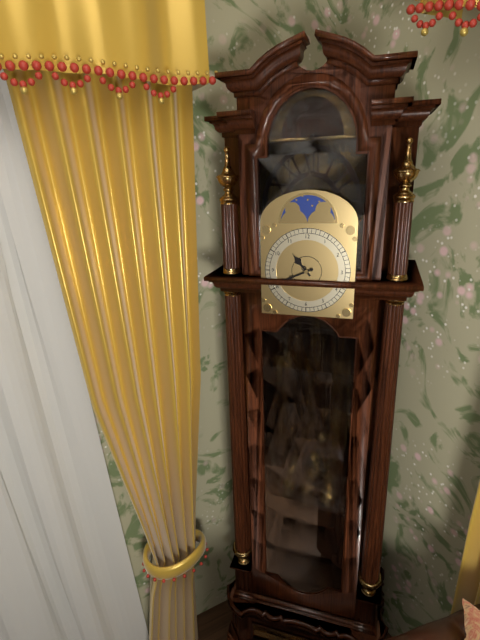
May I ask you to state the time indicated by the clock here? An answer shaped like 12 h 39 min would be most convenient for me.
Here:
10 h 41 min
